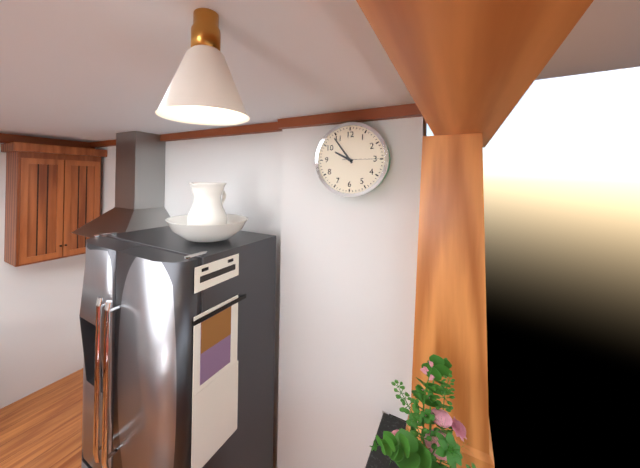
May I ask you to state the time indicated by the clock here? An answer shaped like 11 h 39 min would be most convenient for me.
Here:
9 h 54 min
